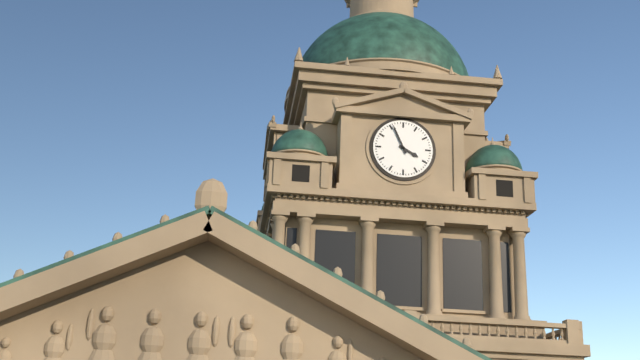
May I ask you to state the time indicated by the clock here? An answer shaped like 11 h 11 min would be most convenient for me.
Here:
3 h 56 min
